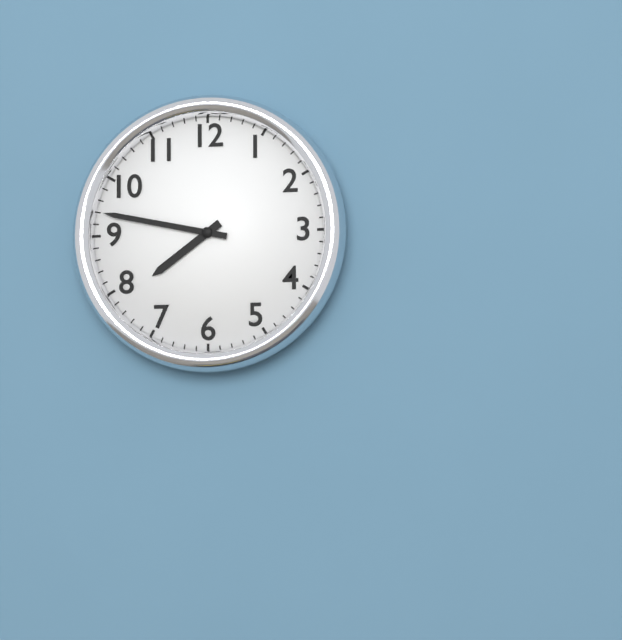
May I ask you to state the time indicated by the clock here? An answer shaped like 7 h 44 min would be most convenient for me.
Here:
7 h 47 min
